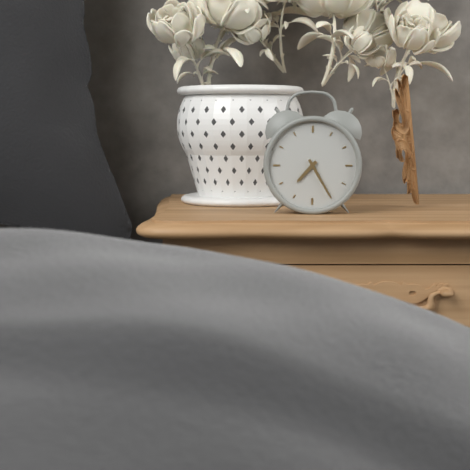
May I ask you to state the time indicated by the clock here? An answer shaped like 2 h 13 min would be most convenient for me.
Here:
7 h 25 min
